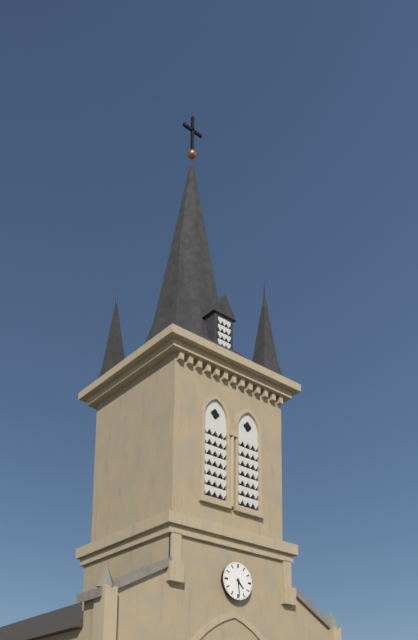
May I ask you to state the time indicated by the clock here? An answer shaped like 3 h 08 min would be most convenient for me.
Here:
4 h 29 min
